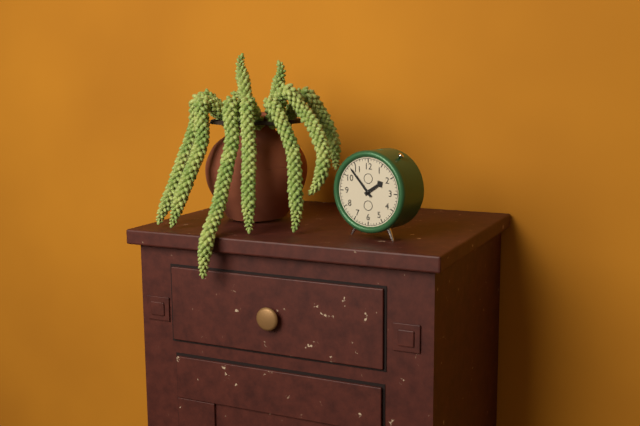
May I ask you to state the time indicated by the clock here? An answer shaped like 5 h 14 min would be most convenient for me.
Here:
1 h 53 min
